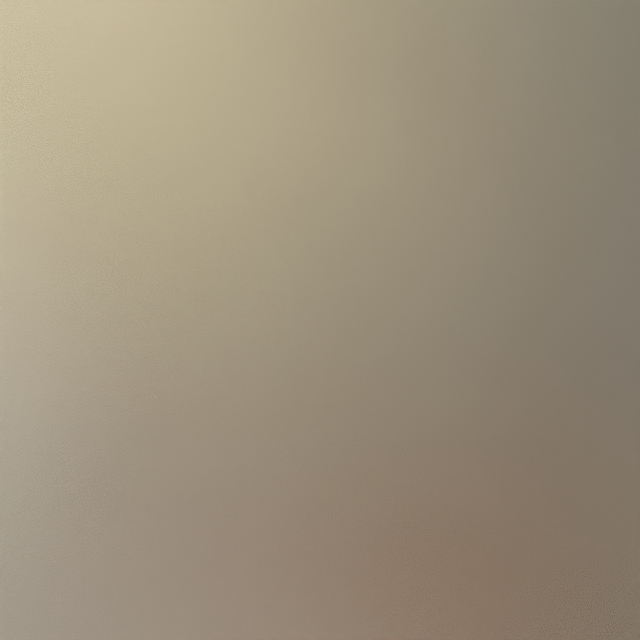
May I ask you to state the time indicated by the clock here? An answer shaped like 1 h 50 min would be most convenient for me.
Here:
2 h 42 min
